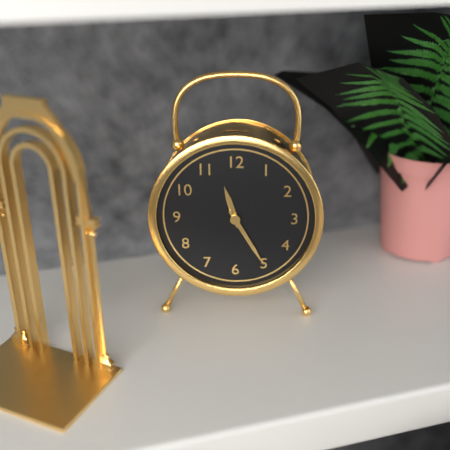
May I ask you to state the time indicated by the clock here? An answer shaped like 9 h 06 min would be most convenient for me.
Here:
11 h 25 min
